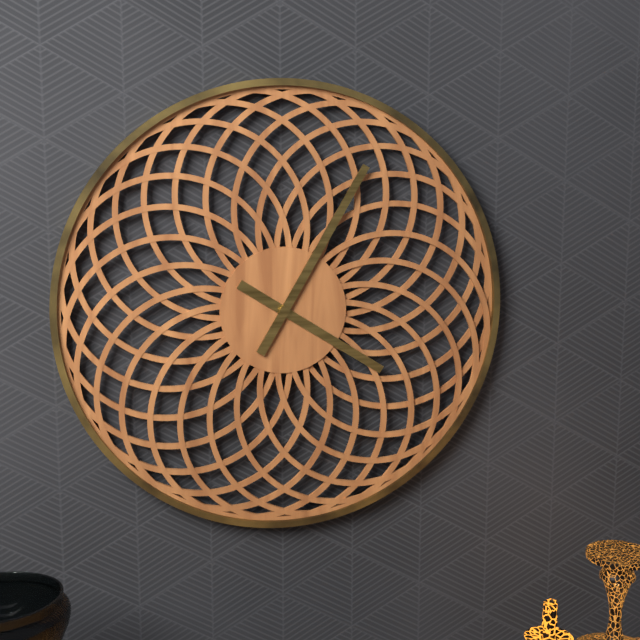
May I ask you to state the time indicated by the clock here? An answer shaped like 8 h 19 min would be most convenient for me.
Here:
4 h 05 min
